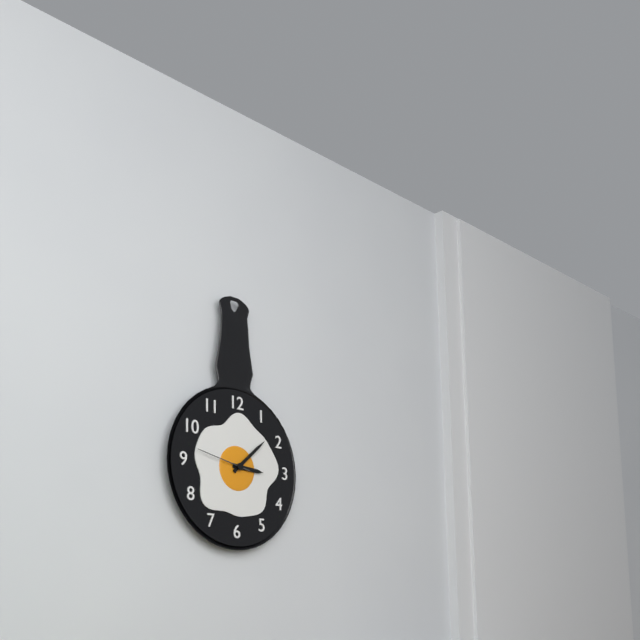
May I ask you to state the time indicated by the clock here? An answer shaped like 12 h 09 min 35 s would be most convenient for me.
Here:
3 h 08 min 47 s
